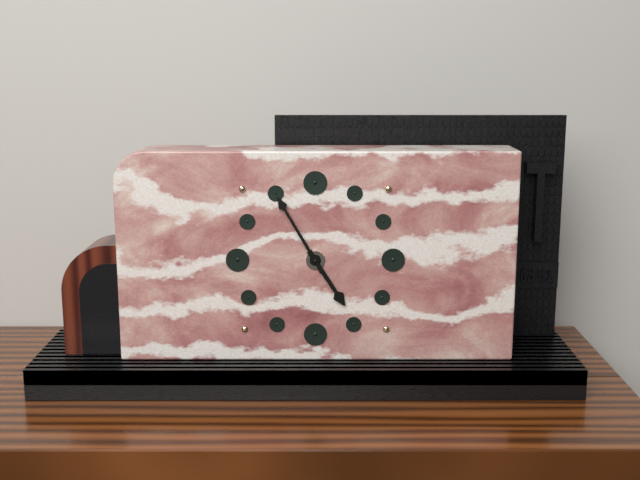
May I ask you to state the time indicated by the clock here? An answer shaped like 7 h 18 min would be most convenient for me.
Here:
4 h 55 min
